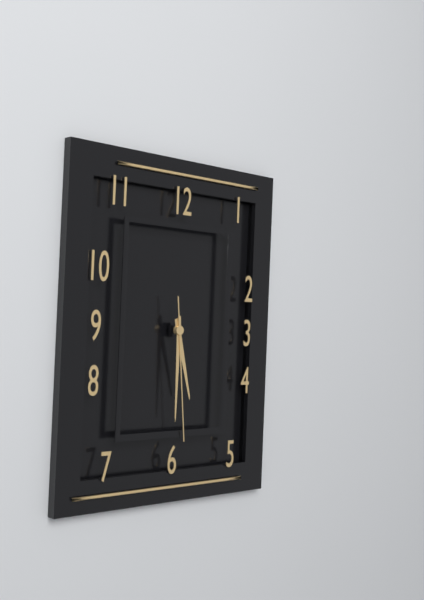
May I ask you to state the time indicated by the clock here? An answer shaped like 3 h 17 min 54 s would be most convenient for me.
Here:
5 h 30 min 29 s
